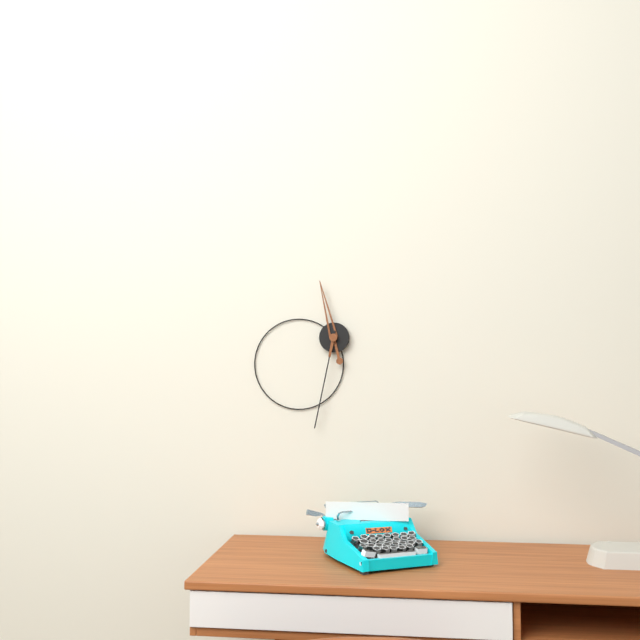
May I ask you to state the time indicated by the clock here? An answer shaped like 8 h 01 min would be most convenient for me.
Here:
11 h 32 min
